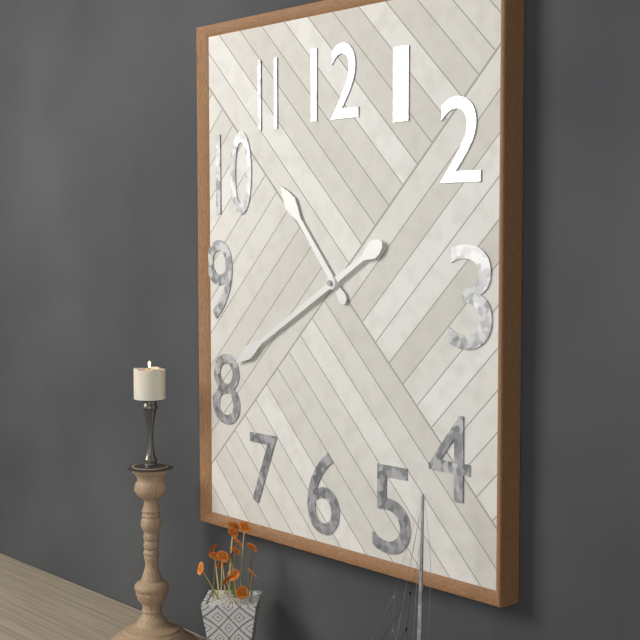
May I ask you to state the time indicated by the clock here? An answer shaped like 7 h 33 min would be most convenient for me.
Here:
10 h 40 min
